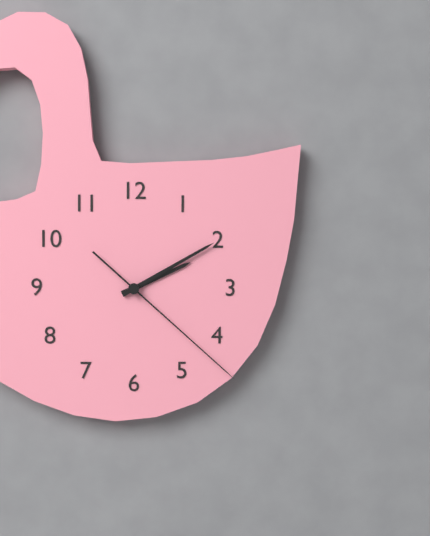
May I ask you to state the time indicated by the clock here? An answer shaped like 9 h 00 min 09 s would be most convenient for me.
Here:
2 h 10 min 22 s
